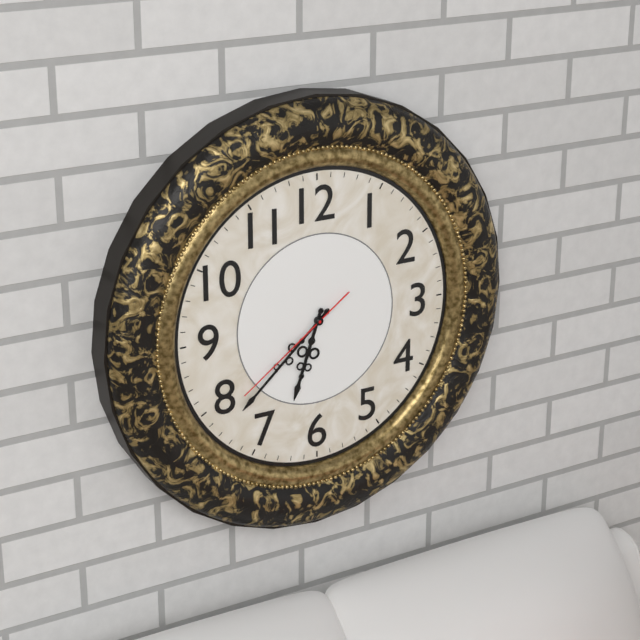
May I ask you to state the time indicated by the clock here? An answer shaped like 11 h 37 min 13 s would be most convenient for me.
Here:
6 h 38 min 39 s
